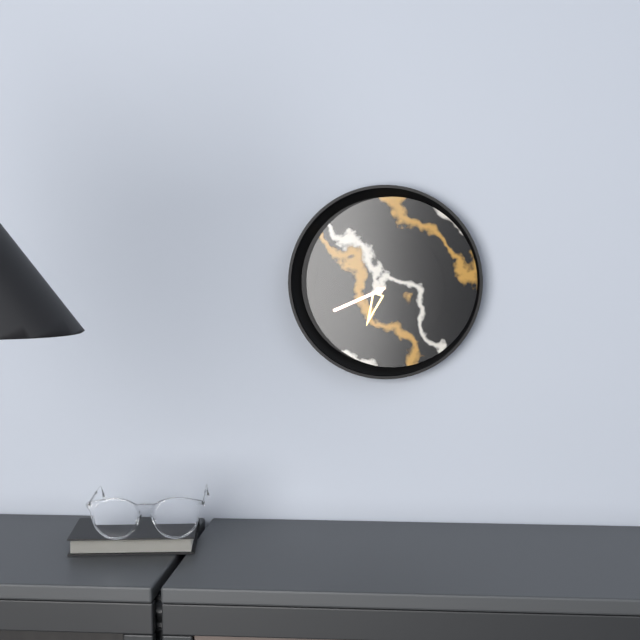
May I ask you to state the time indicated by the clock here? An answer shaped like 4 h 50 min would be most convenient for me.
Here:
6 h 41 min
